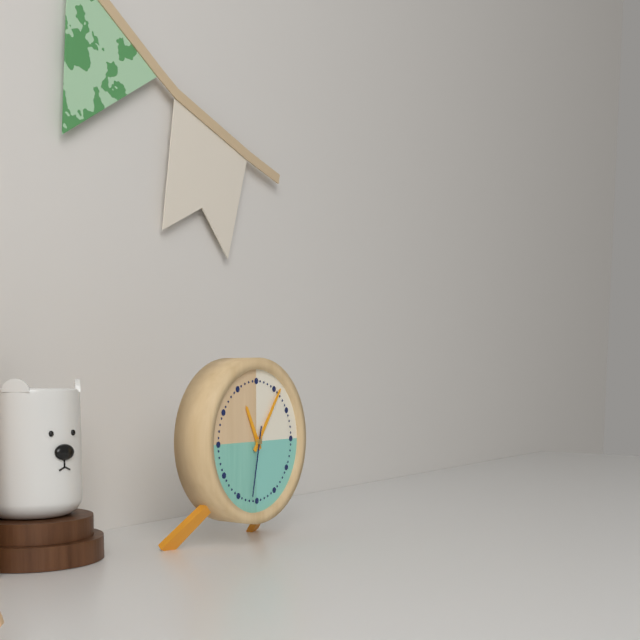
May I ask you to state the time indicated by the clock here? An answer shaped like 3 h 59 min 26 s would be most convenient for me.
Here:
11 h 06 min 32 s
